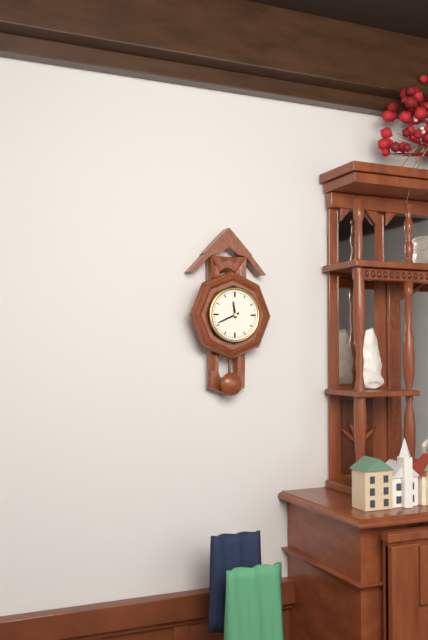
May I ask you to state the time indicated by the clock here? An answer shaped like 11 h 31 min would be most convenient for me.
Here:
11 h 41 min
